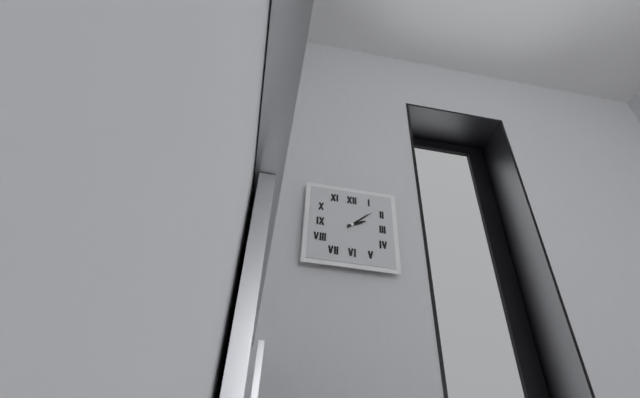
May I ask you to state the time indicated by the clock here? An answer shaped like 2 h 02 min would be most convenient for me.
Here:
2 h 08 min
